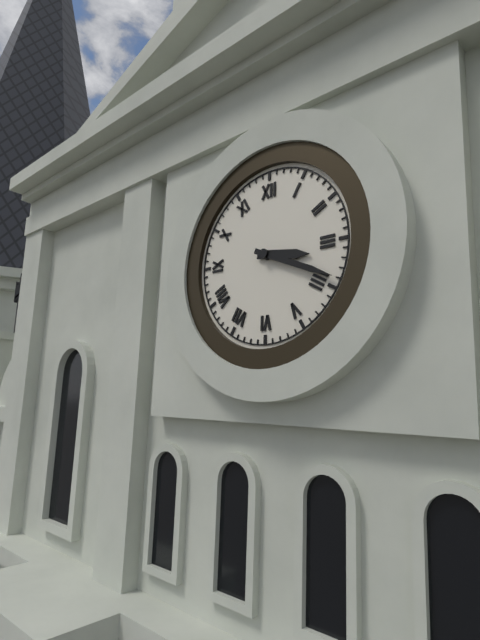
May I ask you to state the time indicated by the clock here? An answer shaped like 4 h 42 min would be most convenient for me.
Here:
3 h 19 min
